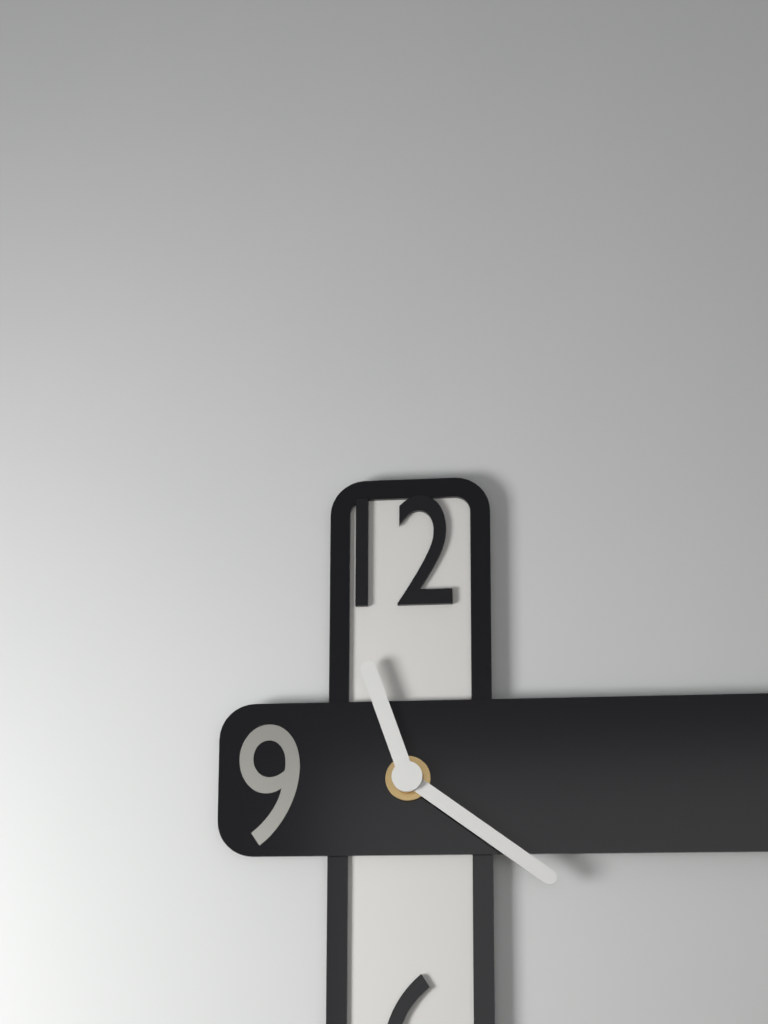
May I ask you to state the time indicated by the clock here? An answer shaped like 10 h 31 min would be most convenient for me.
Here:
11 h 21 min
